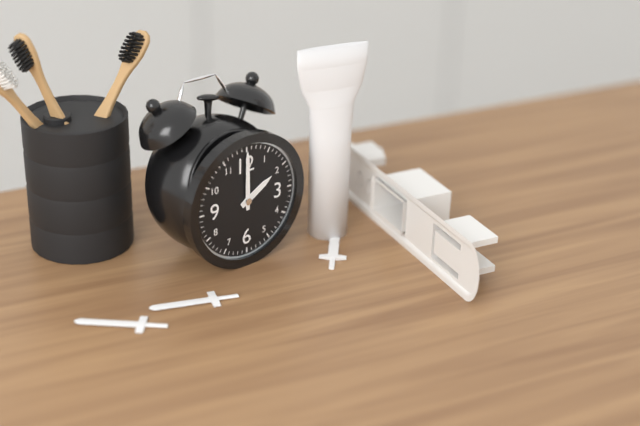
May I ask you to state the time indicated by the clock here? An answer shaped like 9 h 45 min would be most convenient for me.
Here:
2 h 00 min
